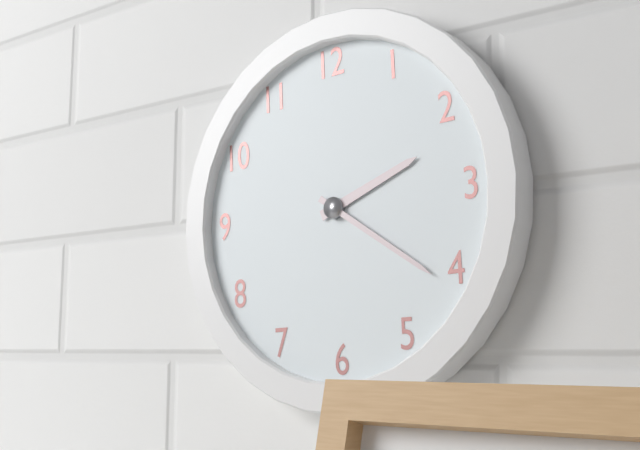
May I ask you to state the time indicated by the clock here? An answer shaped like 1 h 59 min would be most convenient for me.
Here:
2 h 21 min
